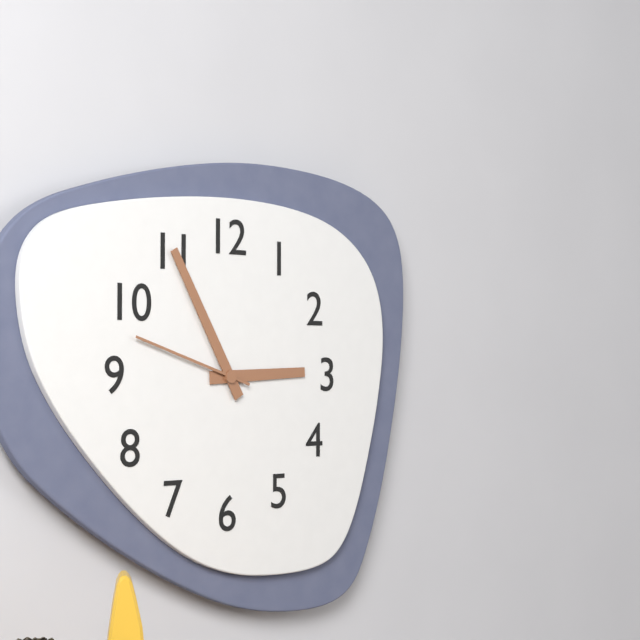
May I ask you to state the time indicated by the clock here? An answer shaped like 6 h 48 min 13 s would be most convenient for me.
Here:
2 h 55 min 48 s
